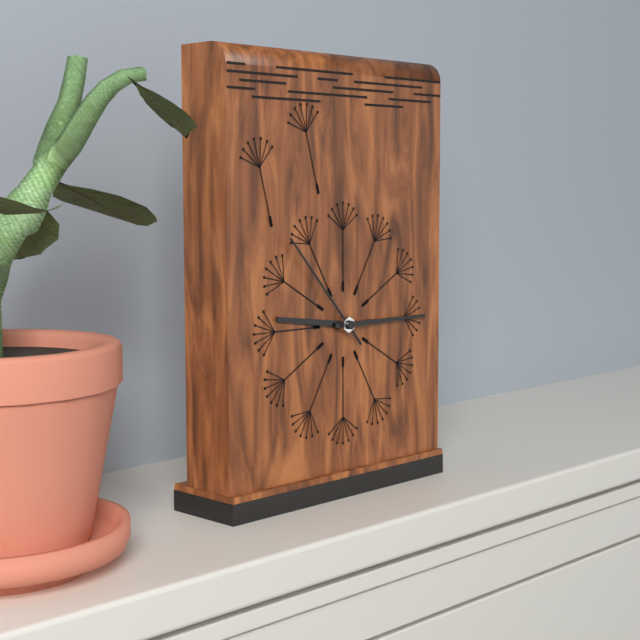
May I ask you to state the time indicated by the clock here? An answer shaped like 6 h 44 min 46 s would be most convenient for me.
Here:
9 h 15 min 53 s
